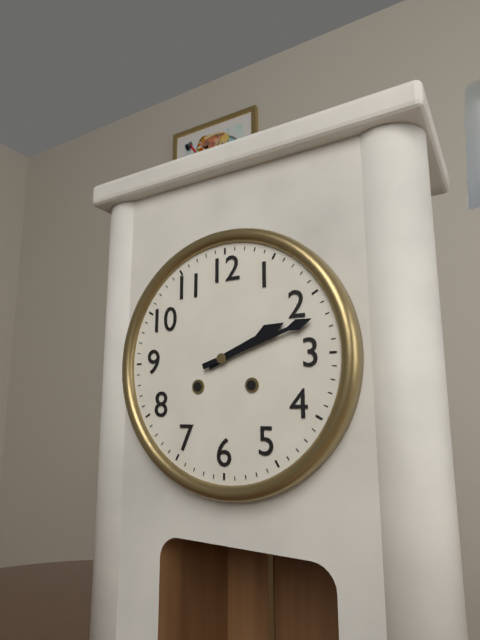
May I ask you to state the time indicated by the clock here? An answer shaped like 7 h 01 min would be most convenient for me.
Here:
2 h 12 min
